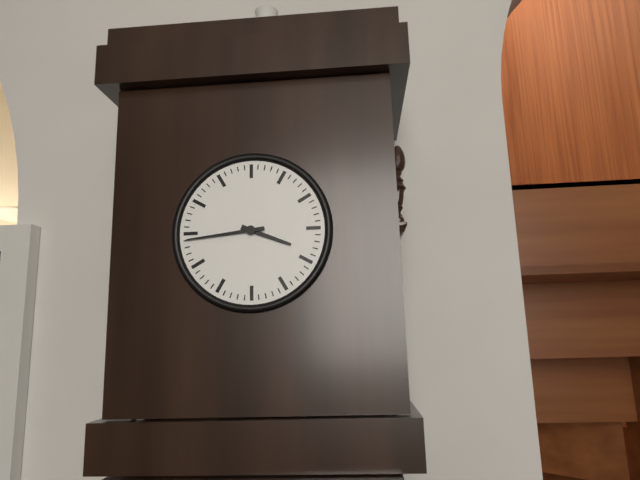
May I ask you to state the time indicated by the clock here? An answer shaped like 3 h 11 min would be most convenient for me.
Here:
3 h 44 min
